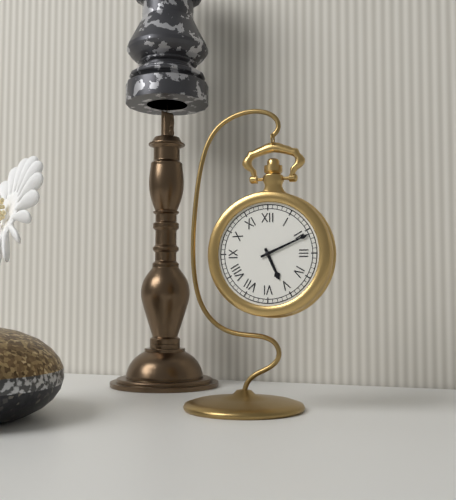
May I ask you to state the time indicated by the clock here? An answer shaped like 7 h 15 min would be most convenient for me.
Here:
5 h 11 min
